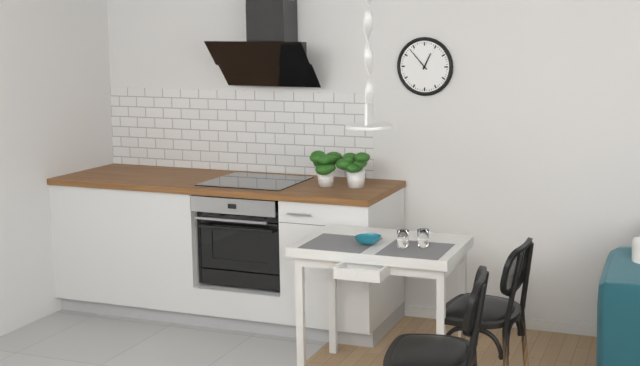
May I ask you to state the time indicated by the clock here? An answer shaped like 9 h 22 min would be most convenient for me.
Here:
12 h 53 min
